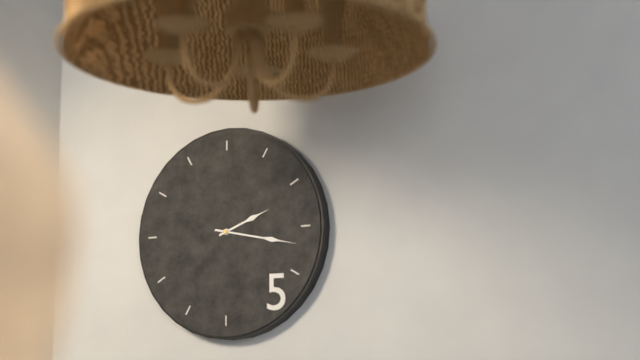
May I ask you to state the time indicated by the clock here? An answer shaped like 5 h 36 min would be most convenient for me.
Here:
2 h 17 min
